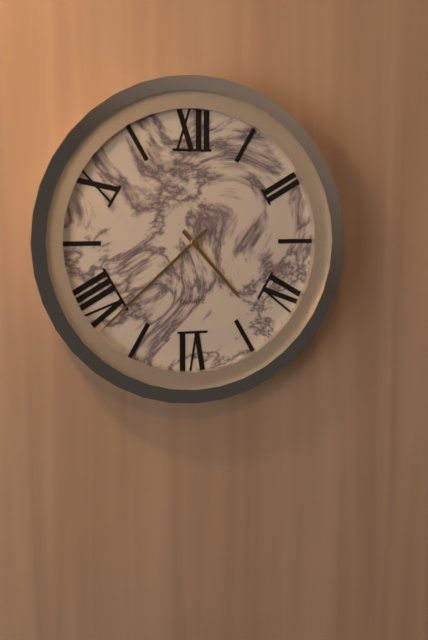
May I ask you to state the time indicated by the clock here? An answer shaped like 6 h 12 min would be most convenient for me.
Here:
4 h 38 min
